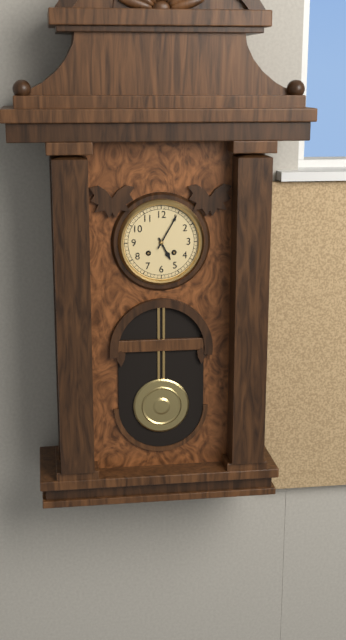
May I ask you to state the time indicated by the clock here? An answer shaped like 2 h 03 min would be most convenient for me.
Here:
5 h 05 min
